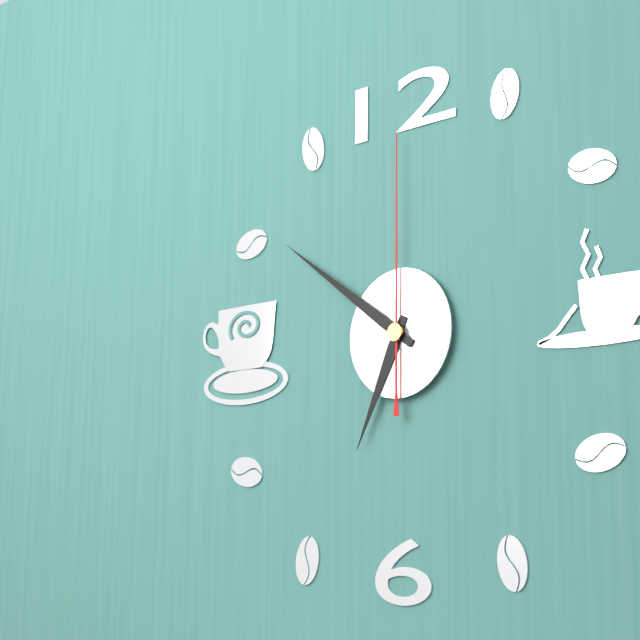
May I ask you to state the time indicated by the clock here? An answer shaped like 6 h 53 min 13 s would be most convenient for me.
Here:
6 h 51 min 00 s
